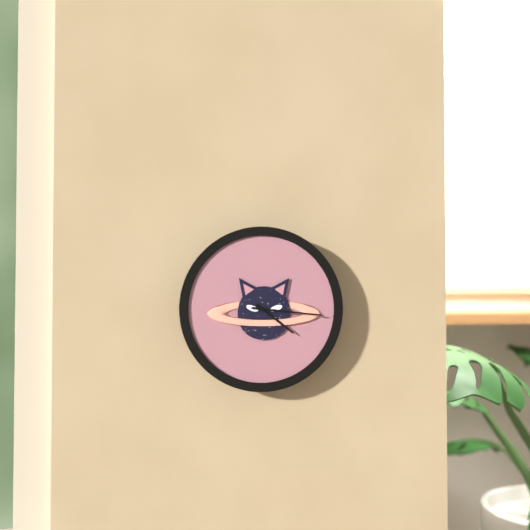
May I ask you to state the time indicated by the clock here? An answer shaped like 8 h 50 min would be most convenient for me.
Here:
4 h 16 min
